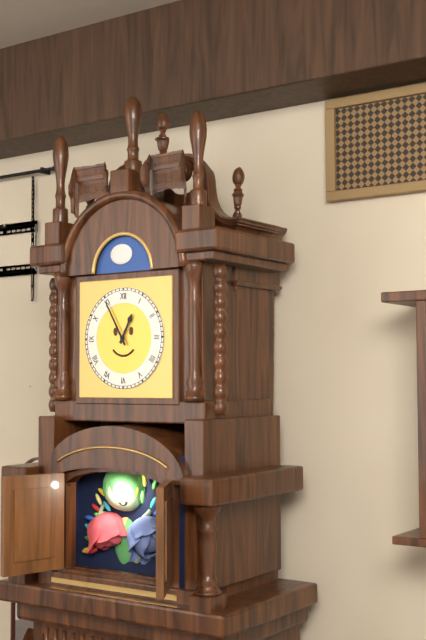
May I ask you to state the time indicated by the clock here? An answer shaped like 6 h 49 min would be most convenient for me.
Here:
12 h 55 min
